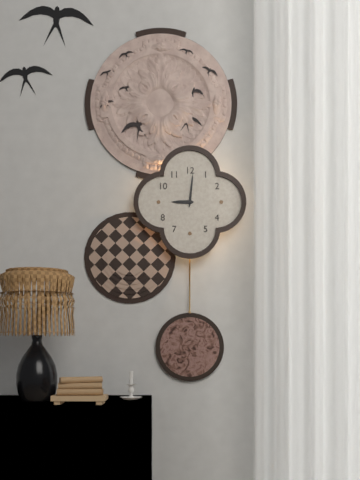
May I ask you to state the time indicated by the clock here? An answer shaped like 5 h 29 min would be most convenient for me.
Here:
9 h 01 min
